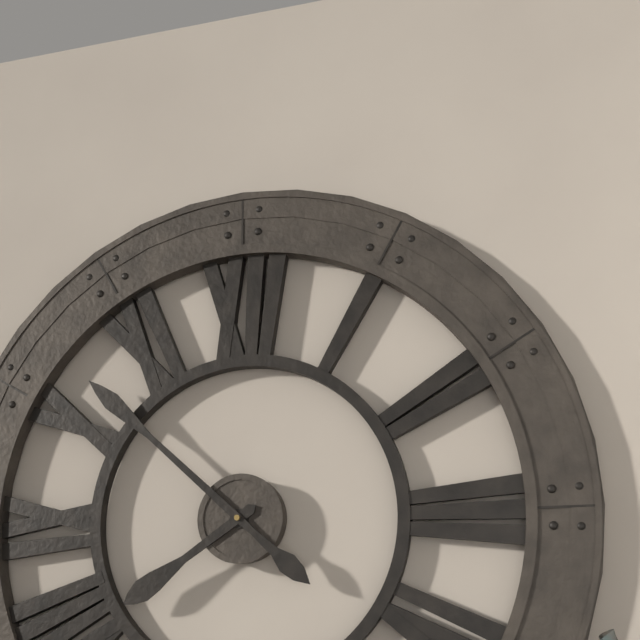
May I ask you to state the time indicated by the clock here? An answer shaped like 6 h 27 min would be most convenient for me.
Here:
7 h 52 min
